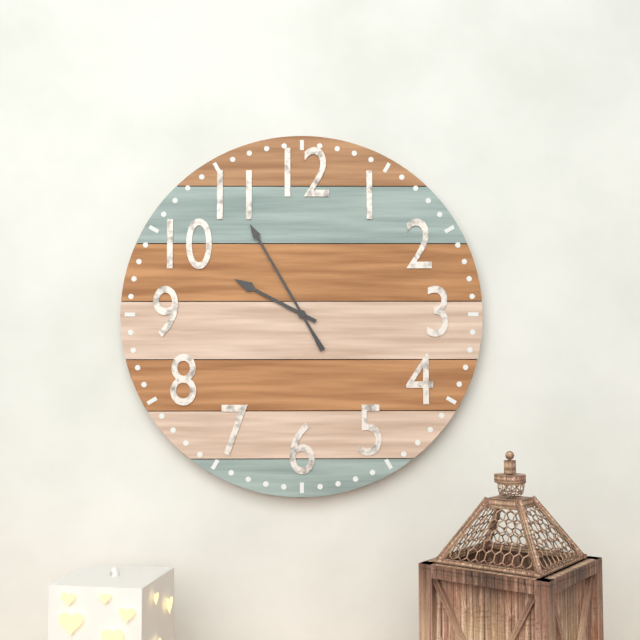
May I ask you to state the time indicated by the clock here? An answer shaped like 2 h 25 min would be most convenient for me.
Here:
9 h 55 min
